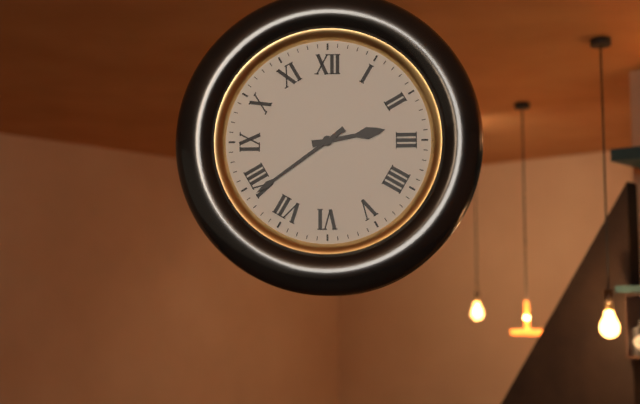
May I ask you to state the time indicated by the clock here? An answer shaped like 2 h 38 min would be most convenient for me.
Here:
2 h 39 min
